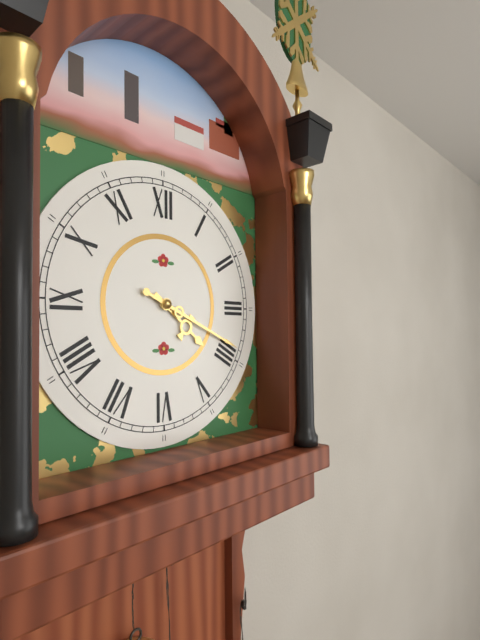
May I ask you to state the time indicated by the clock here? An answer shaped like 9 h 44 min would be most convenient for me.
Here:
4 h 19 min
